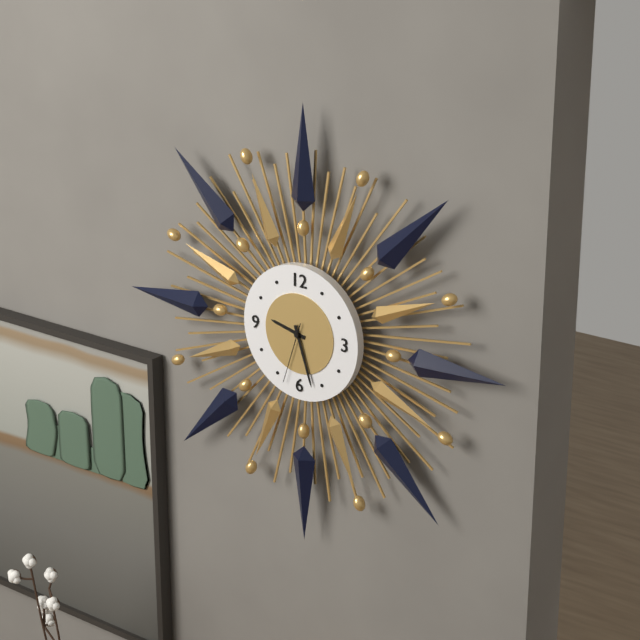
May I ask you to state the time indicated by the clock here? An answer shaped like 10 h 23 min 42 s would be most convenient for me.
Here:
9 h 27 min 33 s
